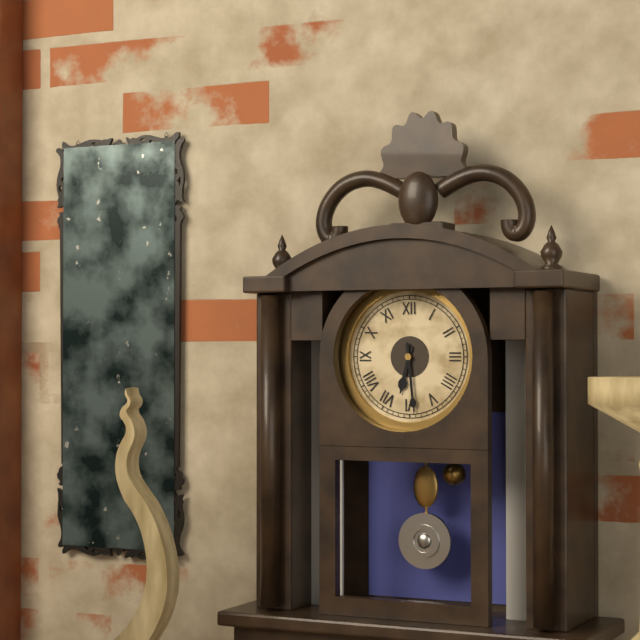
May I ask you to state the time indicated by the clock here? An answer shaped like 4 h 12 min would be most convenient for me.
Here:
6 h 29 min
